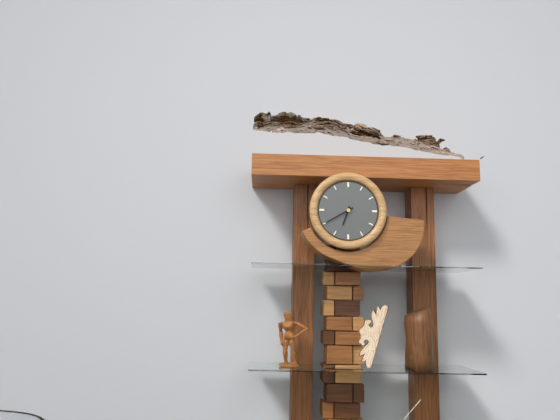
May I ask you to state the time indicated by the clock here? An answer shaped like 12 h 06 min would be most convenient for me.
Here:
6 h 40 min
